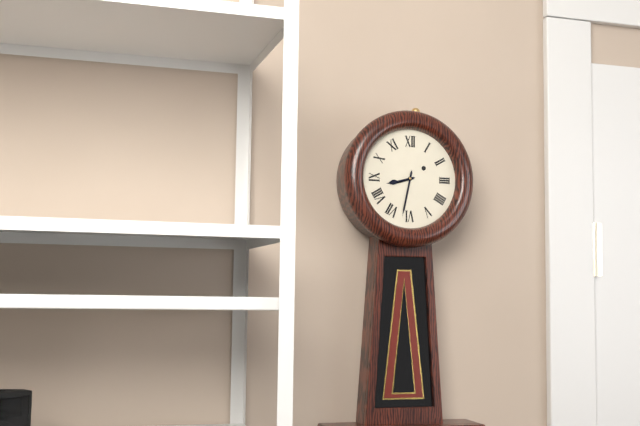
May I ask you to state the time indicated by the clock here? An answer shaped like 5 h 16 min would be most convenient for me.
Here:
8 h 32 min
